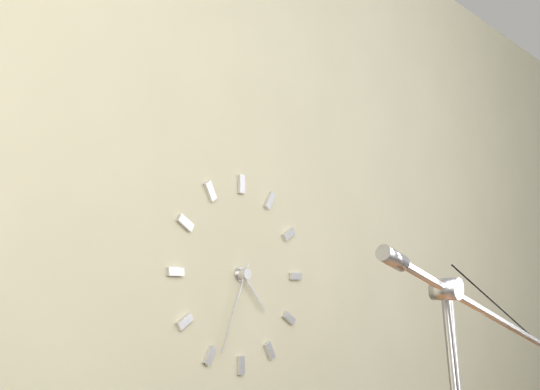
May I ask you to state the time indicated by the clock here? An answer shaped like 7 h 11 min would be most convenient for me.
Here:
4 h 34 min
